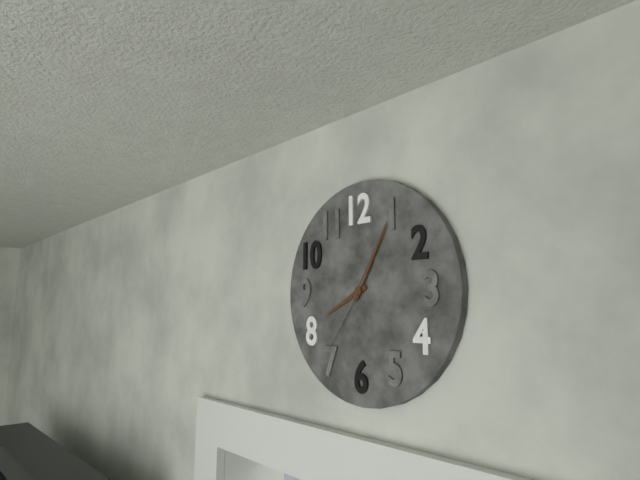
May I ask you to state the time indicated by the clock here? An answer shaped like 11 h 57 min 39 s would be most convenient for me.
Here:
8 h 05 min 36 s
